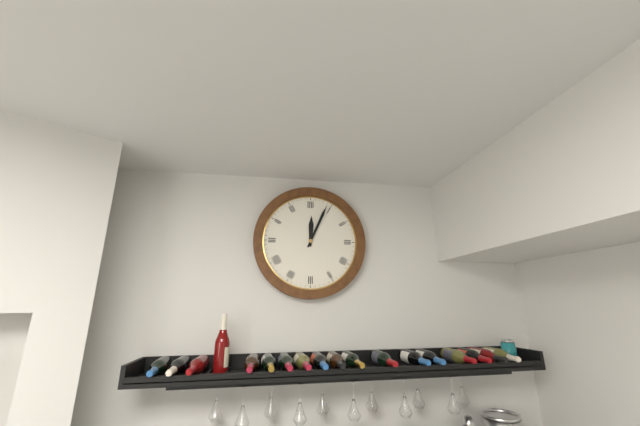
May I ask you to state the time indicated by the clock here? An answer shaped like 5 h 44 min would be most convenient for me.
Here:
12 h 04 min
